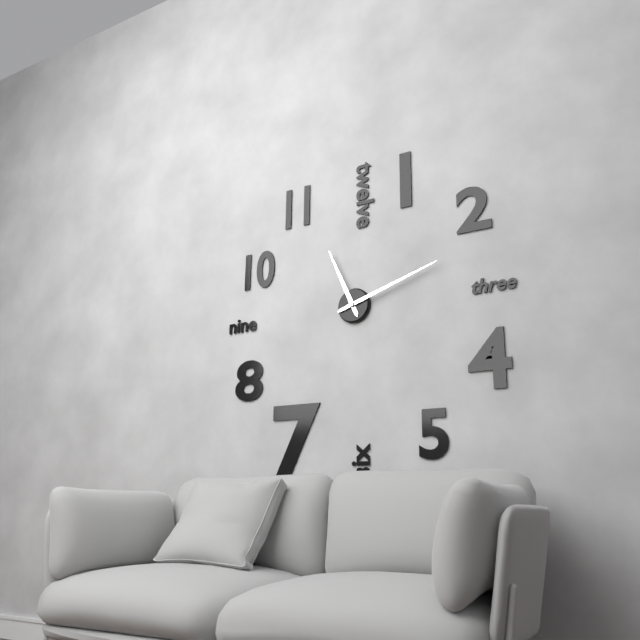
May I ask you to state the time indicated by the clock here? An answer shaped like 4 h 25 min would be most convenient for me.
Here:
11 h 12 min
